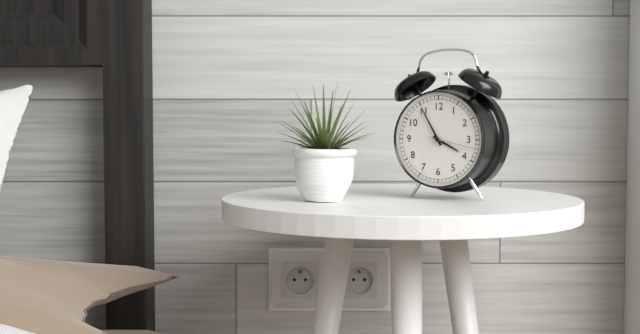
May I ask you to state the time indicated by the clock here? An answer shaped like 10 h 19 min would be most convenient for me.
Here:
3 h 55 min
